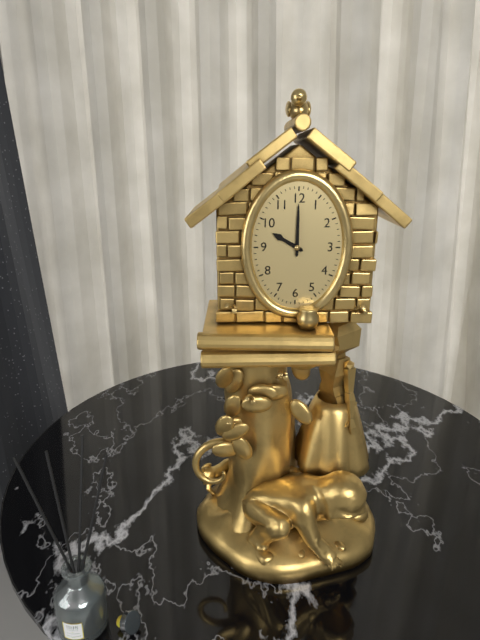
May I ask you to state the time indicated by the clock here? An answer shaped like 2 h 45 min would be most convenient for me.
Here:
10 h 00 min
